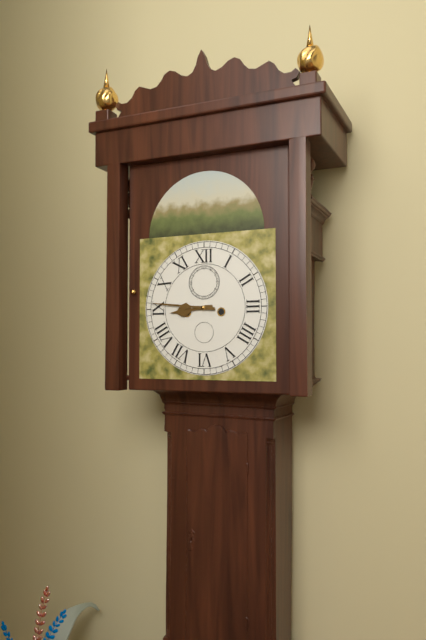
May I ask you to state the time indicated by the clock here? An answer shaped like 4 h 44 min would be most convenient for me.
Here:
8 h 46 min
